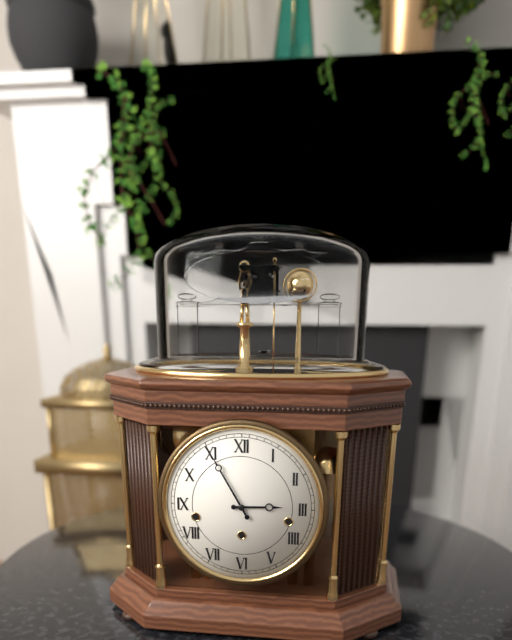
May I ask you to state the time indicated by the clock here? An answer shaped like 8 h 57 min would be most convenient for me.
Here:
2 h 55 min
